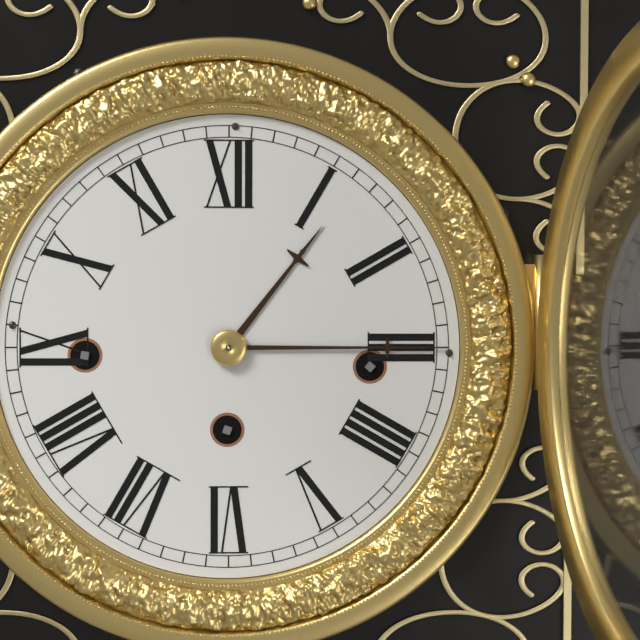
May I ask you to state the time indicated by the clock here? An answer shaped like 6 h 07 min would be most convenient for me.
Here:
1 h 15 min
